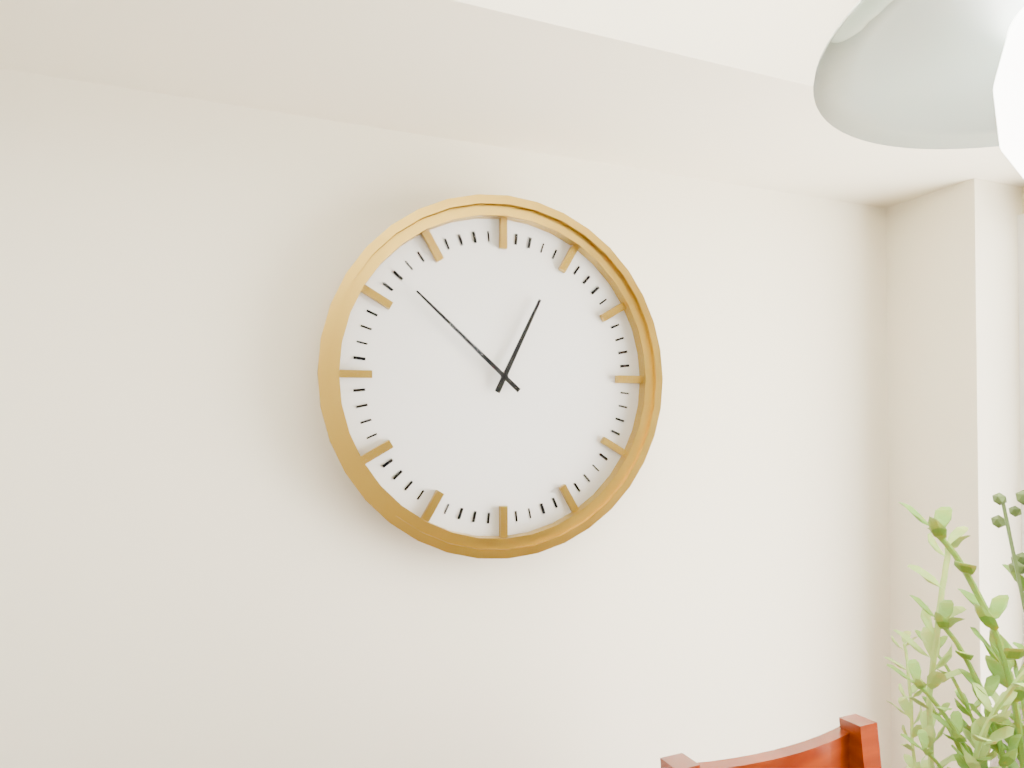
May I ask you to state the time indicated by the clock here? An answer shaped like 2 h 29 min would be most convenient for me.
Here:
12 h 52 min
